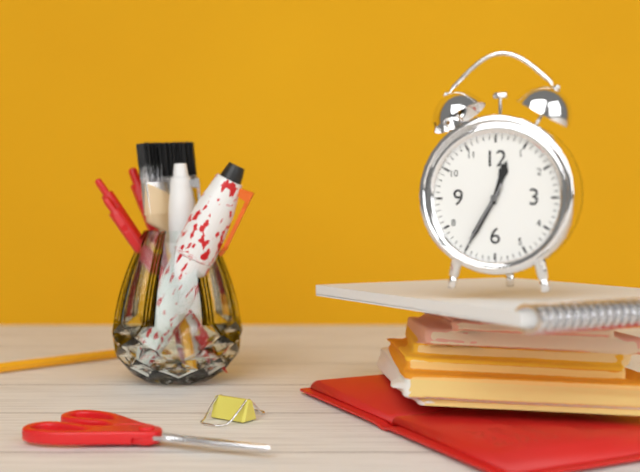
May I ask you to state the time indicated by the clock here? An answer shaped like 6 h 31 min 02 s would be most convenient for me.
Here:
12 h 35 min 35 s
